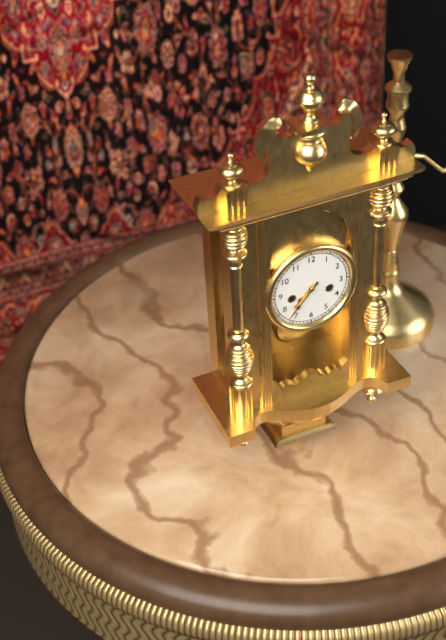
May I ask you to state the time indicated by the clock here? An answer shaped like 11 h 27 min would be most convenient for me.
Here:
7 h 37 min
